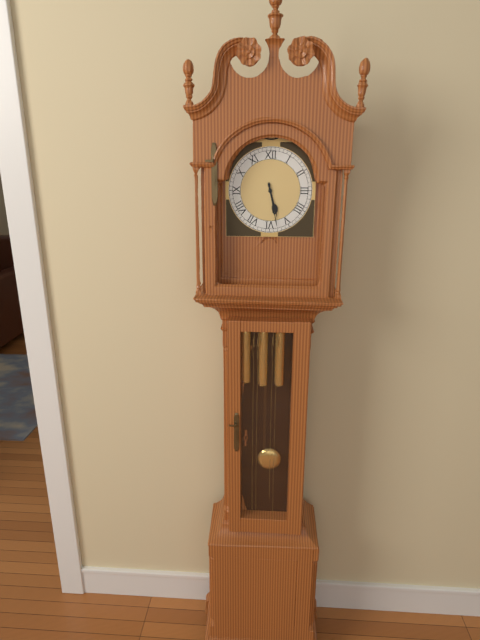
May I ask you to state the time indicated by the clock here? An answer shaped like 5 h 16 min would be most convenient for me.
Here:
5 h 28 min
